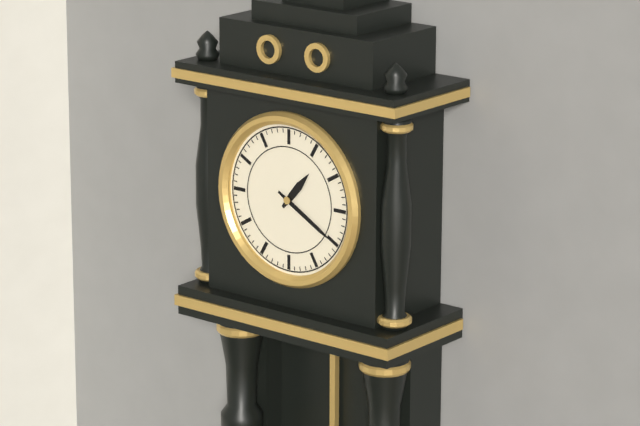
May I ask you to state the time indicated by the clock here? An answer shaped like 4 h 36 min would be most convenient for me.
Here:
1 h 20 min
